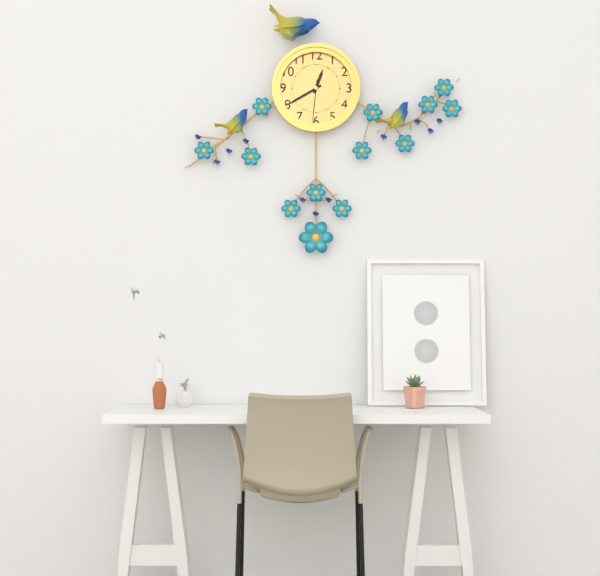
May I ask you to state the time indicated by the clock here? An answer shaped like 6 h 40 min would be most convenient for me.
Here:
12 h 40 min
